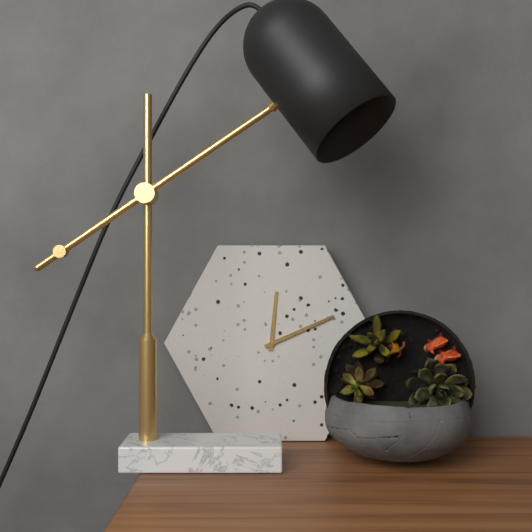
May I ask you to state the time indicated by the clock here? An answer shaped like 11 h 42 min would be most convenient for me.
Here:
12 h 11 min
